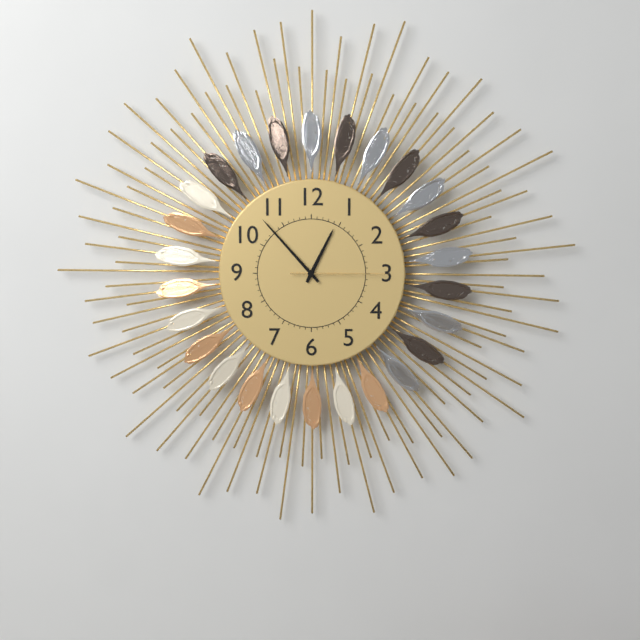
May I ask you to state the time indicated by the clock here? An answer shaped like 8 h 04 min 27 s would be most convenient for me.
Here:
12 h 53 min 15 s
